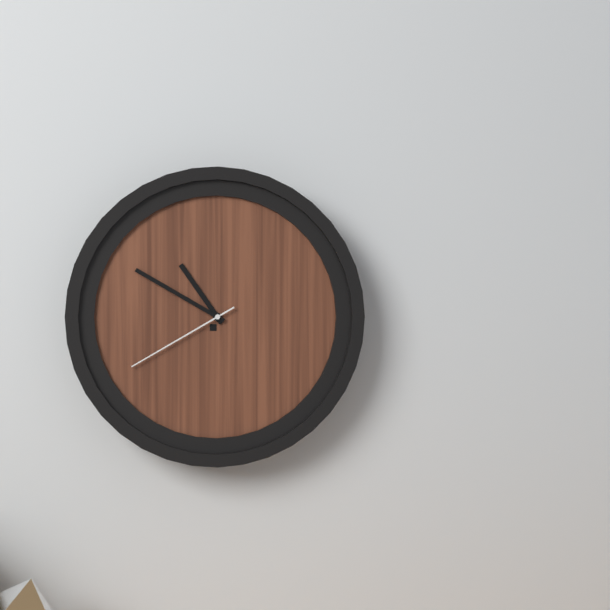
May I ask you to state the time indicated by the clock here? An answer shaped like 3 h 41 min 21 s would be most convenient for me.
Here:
10 h 50 min 40 s
